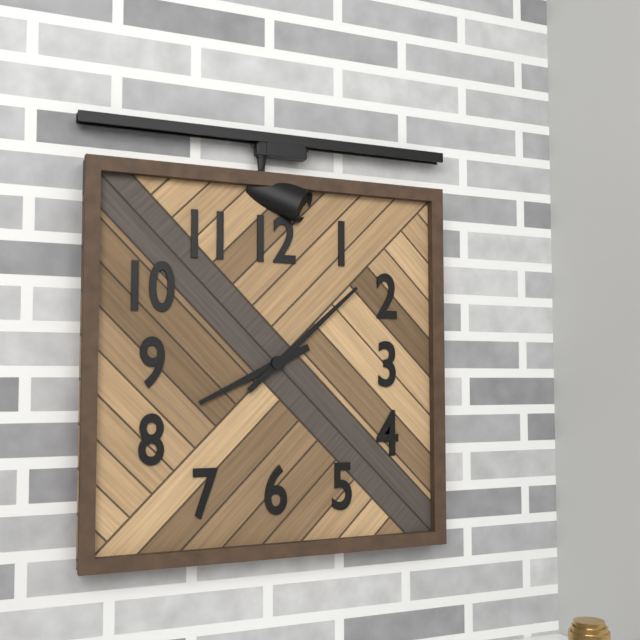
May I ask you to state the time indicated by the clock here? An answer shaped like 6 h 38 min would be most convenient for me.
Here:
8 h 08 min
